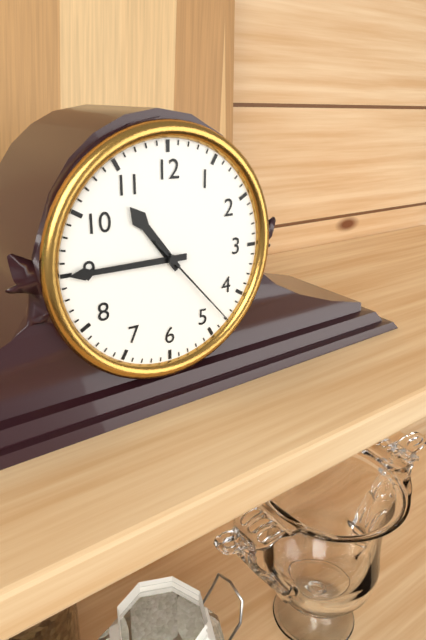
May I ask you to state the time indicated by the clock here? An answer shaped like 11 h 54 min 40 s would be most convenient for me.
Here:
10 h 45 min 23 s
